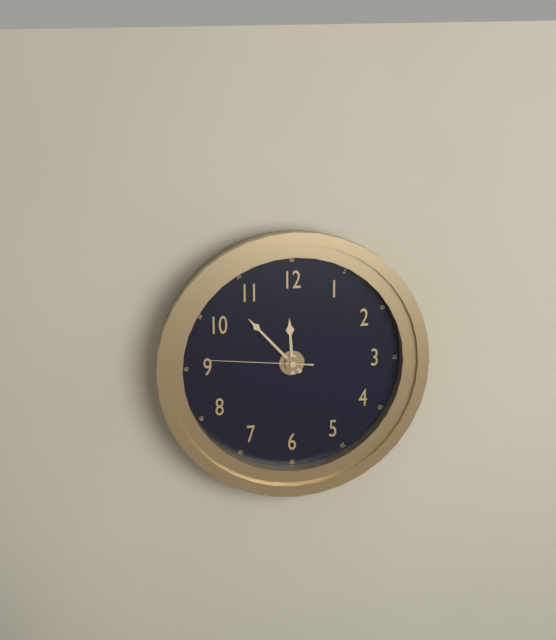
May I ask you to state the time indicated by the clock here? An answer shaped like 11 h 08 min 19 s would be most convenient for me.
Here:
11 h 53 min 46 s
